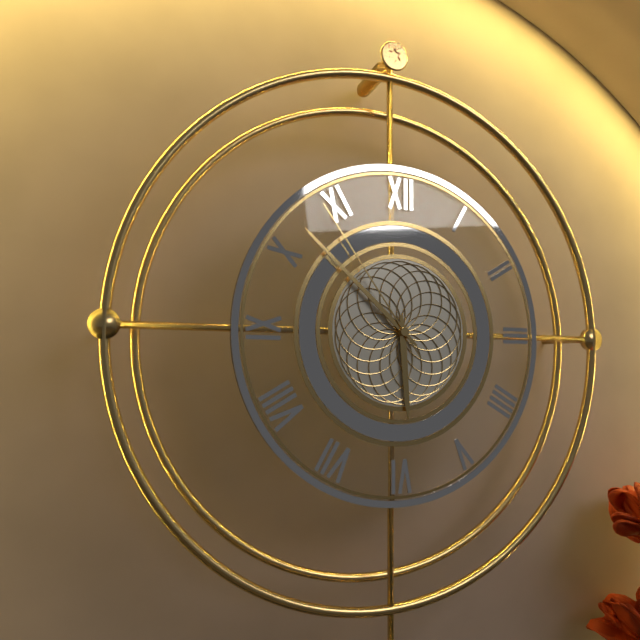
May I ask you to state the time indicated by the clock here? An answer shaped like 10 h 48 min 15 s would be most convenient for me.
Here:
5 h 52 min 54 s
